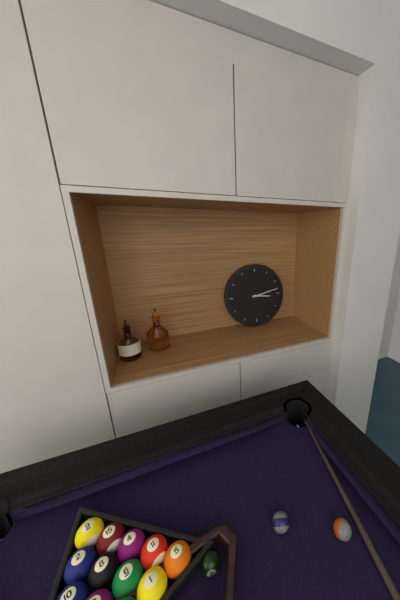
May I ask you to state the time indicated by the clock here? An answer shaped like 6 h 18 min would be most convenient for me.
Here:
3 h 13 min
